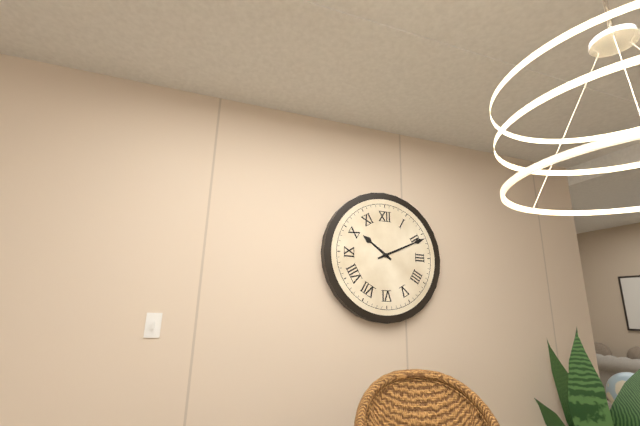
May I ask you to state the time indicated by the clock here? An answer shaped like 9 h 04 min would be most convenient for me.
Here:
10 h 11 min
